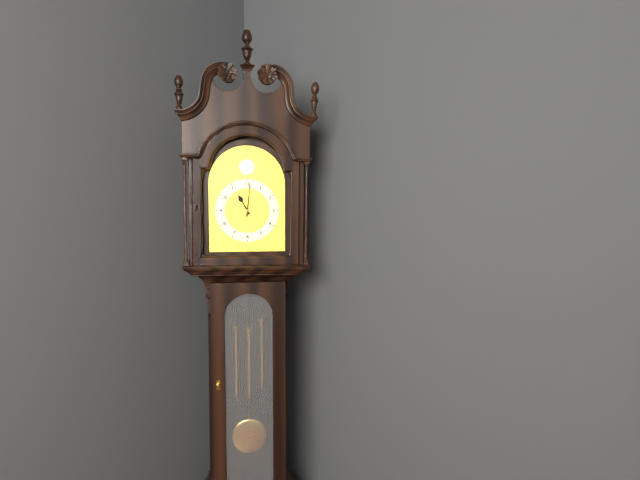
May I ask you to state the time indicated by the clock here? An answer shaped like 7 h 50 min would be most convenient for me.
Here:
11 h 01 min
